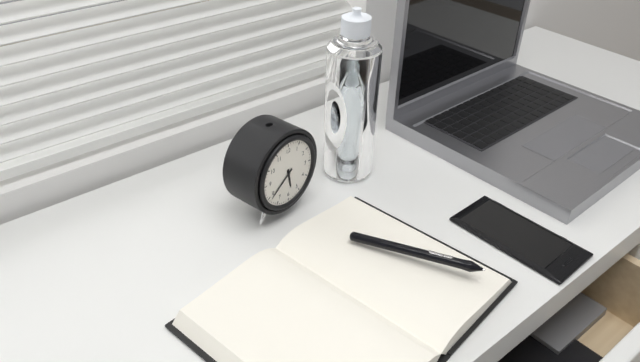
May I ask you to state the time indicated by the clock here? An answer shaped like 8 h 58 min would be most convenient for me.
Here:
5 h 39 min
